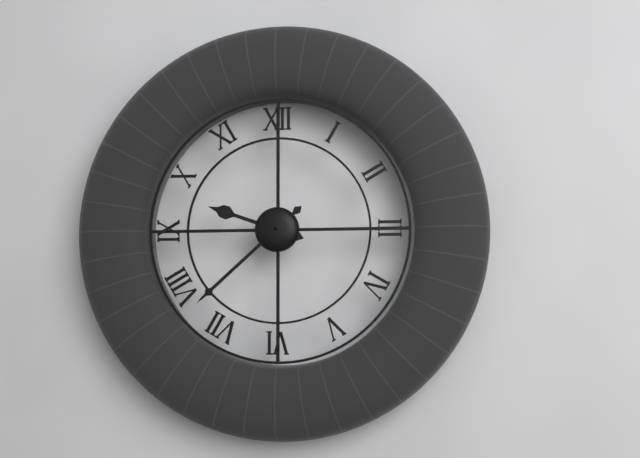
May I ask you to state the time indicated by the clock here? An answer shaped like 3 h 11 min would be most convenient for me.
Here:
9 h 38 min
